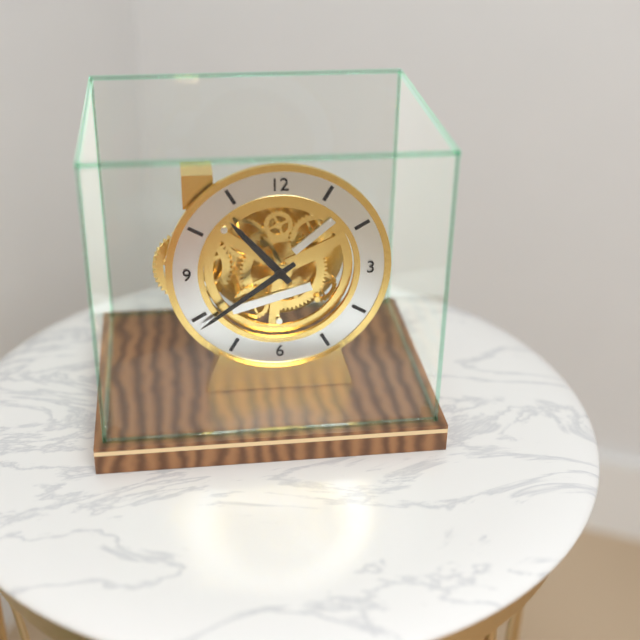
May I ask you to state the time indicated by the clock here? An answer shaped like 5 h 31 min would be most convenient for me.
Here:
10 h 39 min
